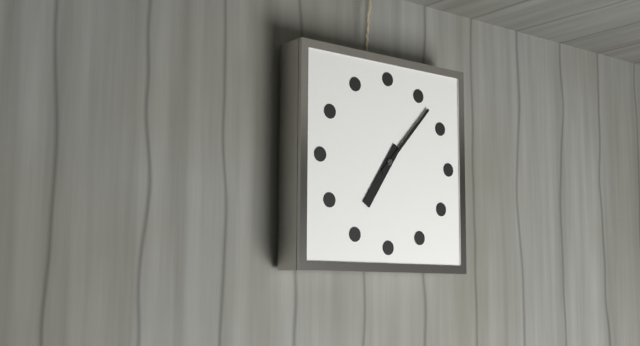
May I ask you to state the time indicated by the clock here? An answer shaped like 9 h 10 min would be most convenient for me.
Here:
7 h 07 min
